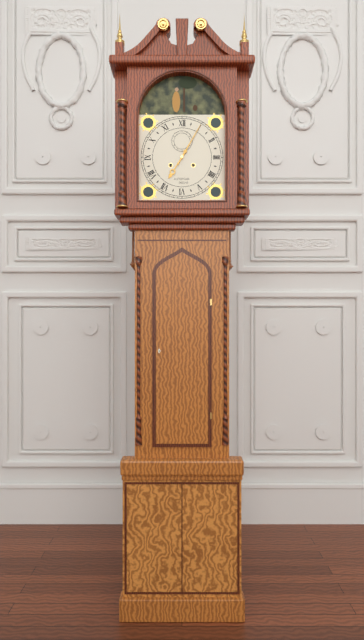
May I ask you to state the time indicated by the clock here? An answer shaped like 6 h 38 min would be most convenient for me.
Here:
7 h 05 min
